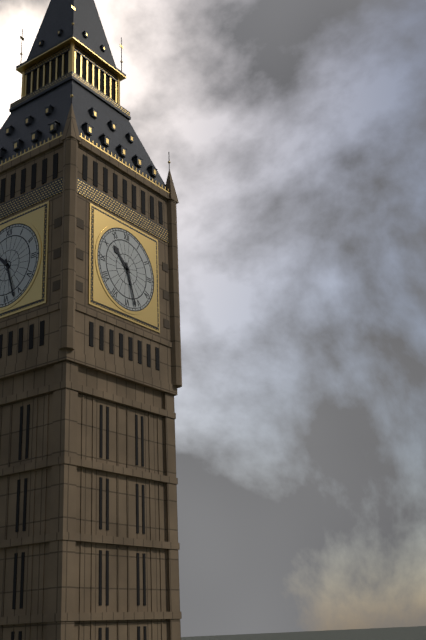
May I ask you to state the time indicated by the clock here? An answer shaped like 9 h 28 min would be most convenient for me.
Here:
10 h 27 min
